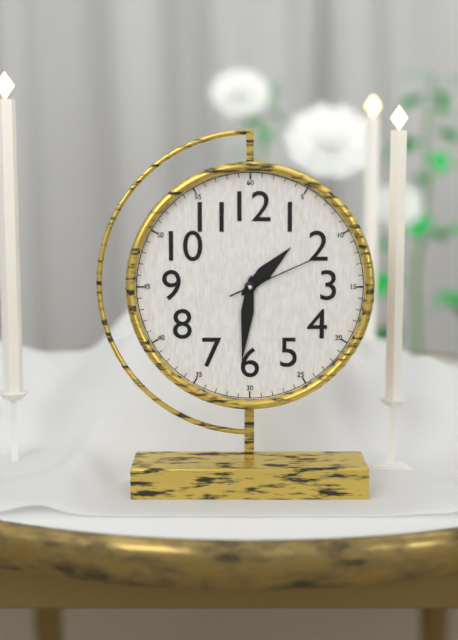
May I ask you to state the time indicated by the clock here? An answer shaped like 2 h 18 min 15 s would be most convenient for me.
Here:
1 h 31 min 11 s
